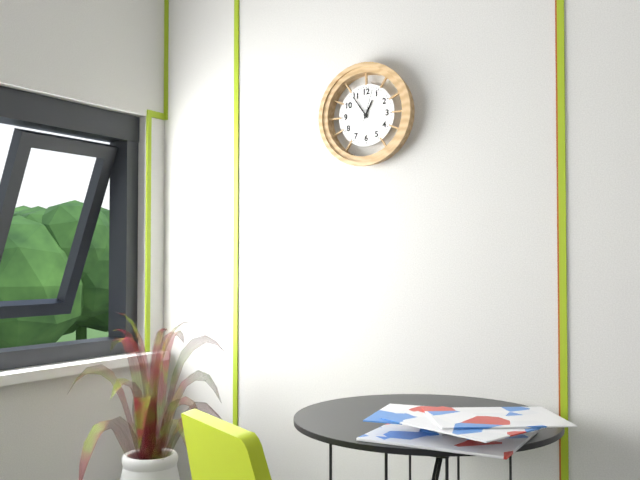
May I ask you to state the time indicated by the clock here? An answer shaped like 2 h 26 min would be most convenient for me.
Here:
12 h 54 min
